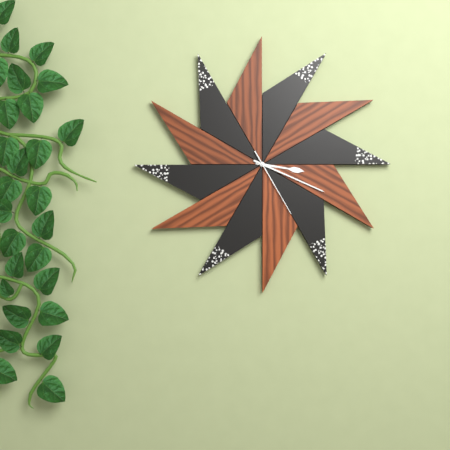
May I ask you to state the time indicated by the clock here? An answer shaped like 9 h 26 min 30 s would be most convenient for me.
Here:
3 h 19 min 25 s
